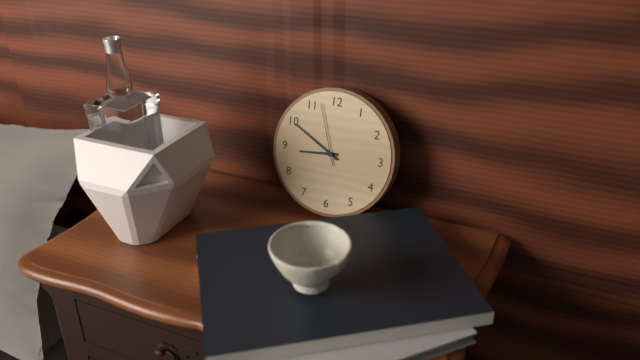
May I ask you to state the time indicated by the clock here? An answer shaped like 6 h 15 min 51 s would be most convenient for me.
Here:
8 h 50 min 57 s
